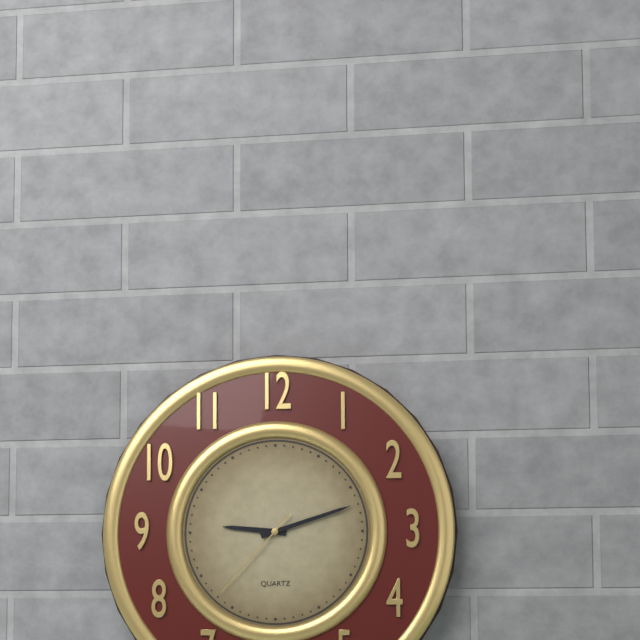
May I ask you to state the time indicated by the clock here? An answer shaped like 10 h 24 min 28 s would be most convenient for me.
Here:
9 h 12 min 37 s
